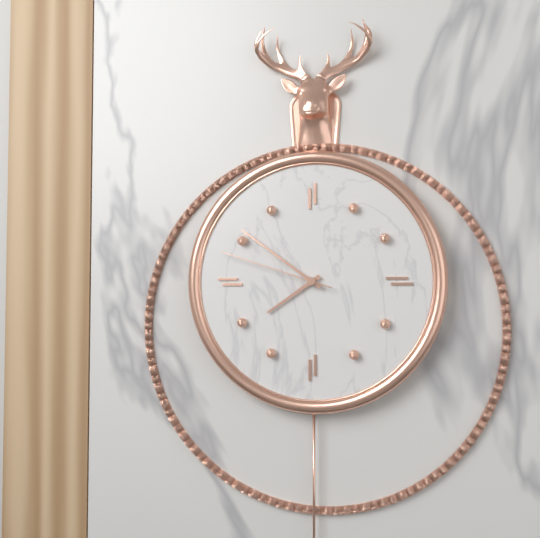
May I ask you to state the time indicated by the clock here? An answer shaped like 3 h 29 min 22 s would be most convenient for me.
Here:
7 h 51 min 48 s
